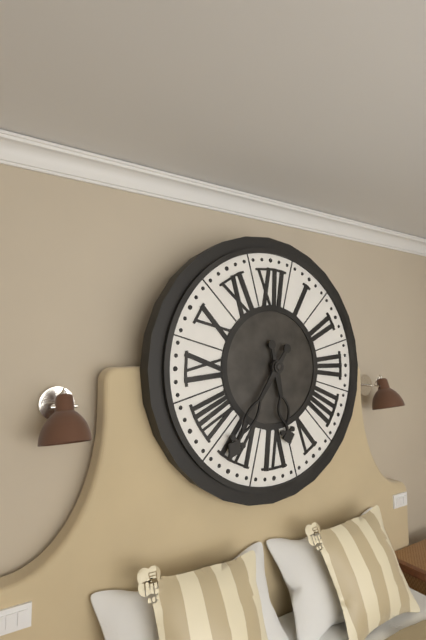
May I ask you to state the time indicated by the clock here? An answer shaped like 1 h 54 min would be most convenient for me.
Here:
5 h 36 min
